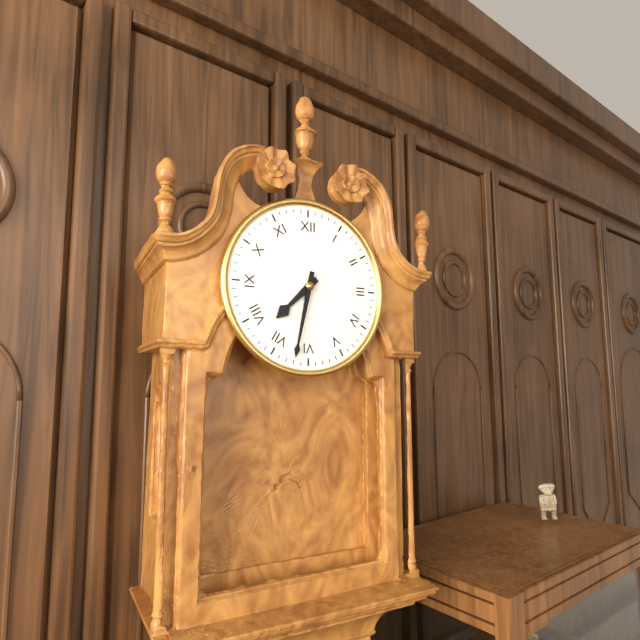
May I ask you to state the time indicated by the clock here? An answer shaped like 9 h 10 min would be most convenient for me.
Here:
7 h 32 min
